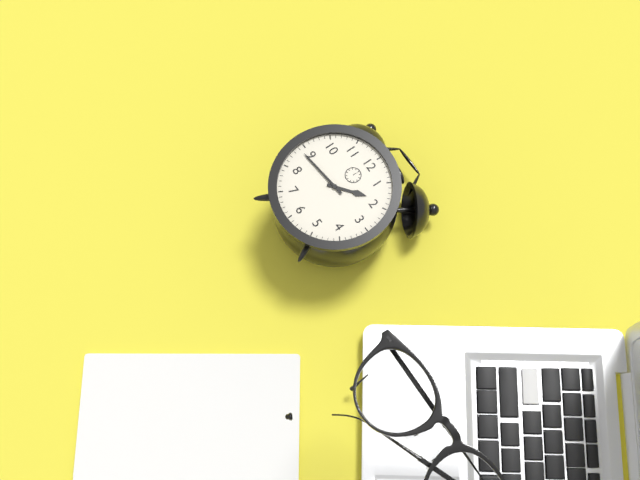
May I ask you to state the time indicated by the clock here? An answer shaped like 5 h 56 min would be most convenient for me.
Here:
1 h 44 min
